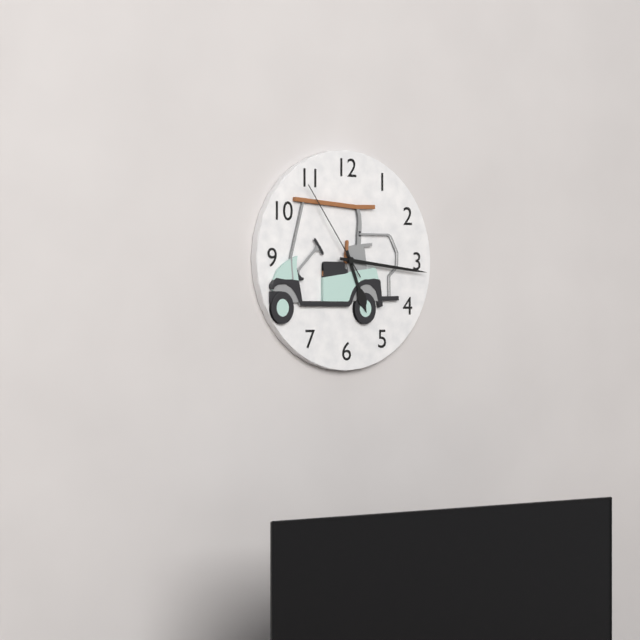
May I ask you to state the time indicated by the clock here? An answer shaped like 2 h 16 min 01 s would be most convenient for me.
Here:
5 h 16 min 54 s
